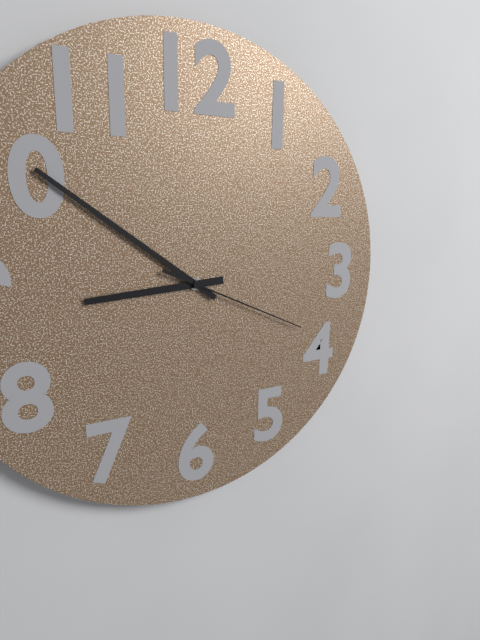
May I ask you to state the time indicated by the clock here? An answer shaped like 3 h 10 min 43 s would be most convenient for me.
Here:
8 h 51 min 19 s
